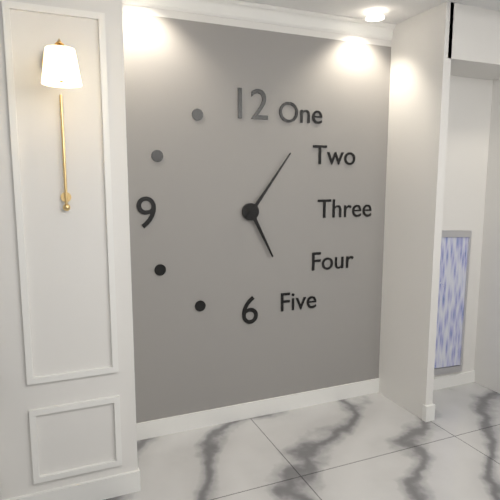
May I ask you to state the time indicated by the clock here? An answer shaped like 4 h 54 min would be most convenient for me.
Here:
5 h 06 min
